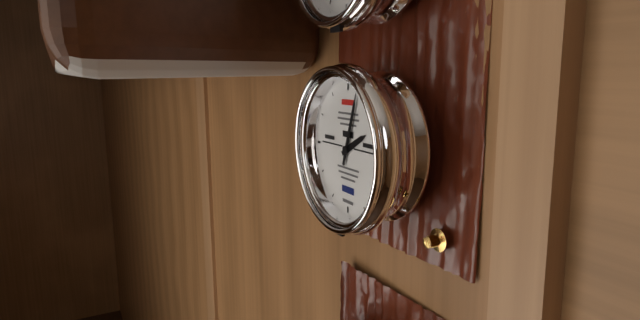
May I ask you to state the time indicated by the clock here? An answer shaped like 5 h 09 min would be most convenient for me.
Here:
2 h 03 min
